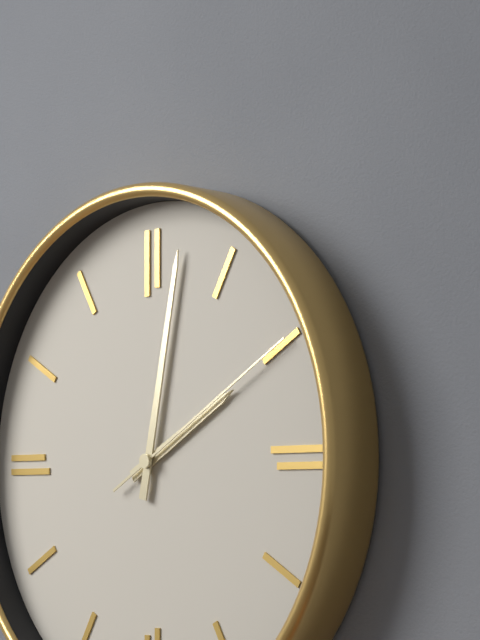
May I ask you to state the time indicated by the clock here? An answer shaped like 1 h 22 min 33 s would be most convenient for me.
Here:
2 h 02 min 10 s
